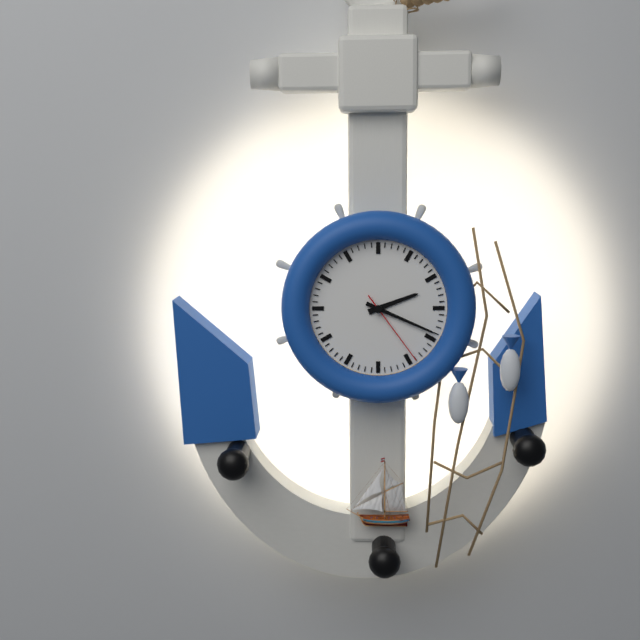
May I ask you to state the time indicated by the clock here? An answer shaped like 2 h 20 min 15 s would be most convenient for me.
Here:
2 h 19 min 24 s
